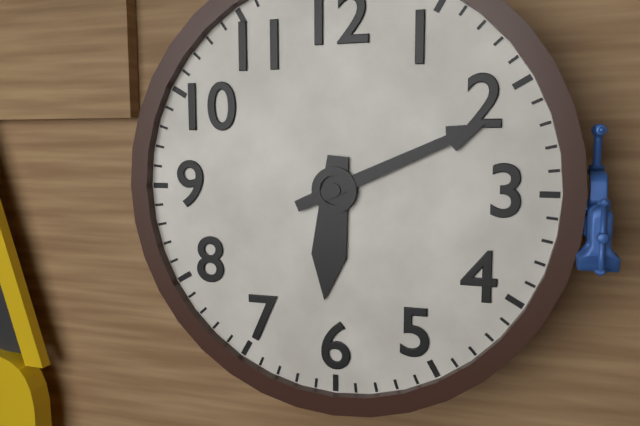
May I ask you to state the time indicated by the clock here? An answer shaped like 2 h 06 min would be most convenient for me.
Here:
6 h 11 min
